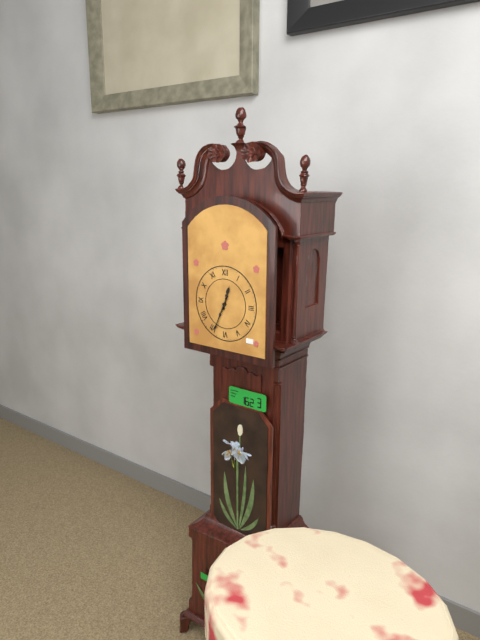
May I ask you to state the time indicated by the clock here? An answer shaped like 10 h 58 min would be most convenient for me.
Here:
12 h 34 min
